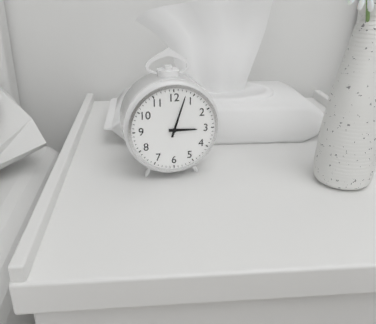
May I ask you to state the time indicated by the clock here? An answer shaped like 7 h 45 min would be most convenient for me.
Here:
3 h 03 min
